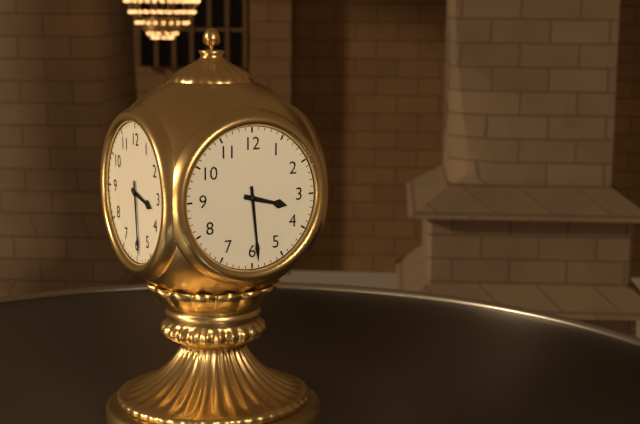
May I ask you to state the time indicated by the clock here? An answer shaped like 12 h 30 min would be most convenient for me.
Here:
3 h 29 min
